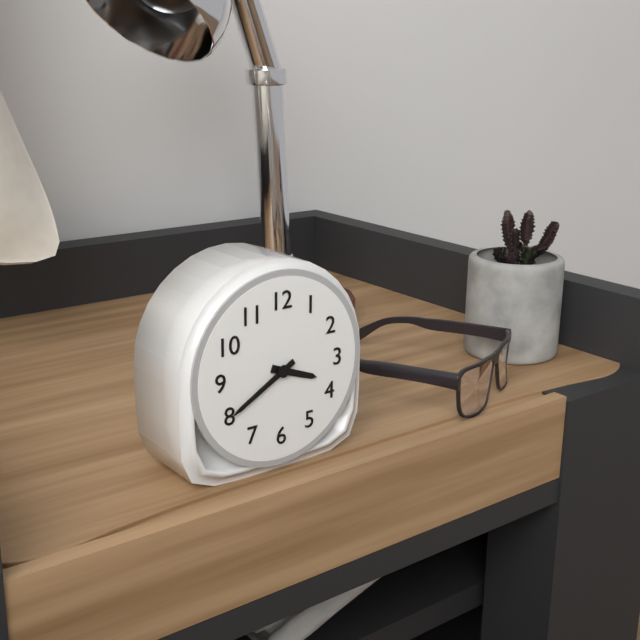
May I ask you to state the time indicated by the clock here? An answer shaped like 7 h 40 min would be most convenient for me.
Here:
3 h 40 min
